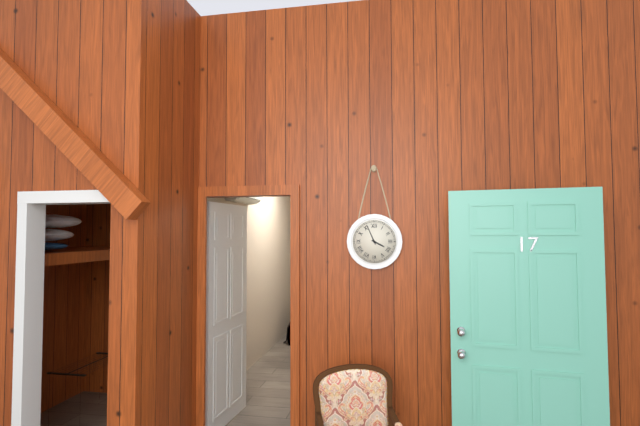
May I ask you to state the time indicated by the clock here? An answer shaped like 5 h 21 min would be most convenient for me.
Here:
3 h 56 min
